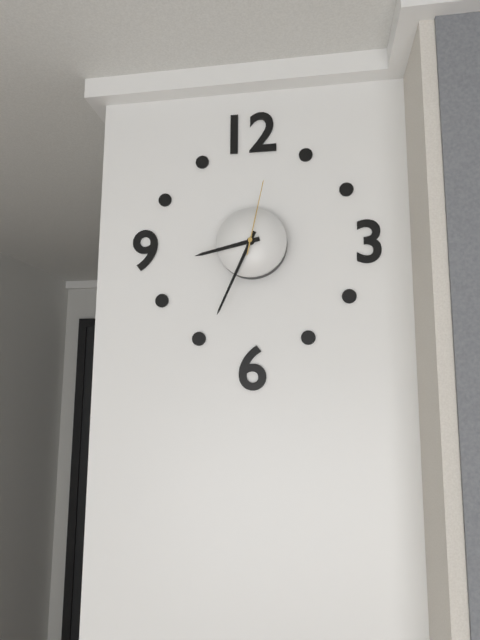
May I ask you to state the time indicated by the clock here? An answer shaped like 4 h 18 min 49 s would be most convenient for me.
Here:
8 h 34 min 02 s
